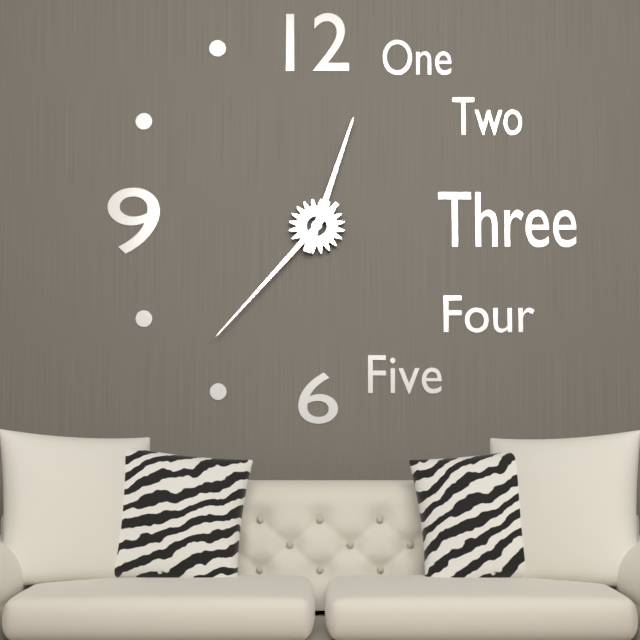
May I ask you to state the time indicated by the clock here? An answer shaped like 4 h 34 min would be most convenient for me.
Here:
12 h 37 min
